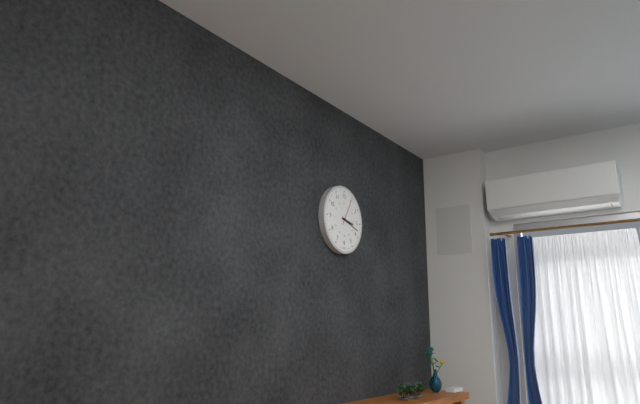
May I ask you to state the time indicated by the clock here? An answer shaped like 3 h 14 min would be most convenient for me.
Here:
3 h 18 min
